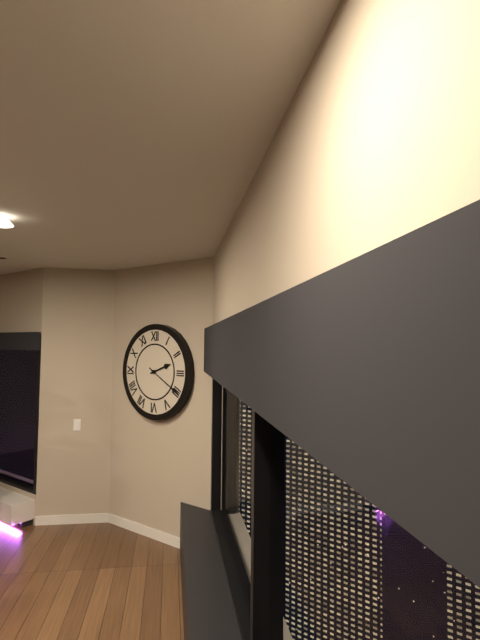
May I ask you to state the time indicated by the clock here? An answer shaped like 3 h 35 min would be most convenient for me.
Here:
2 h 20 min
